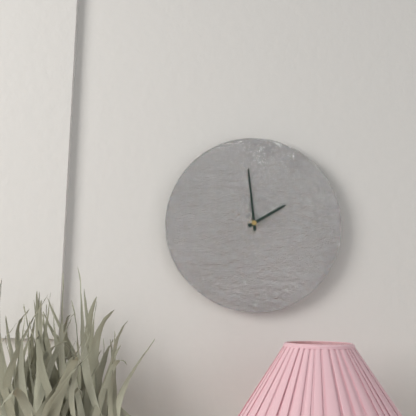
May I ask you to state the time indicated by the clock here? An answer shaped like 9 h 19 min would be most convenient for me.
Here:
1 h 59 min
